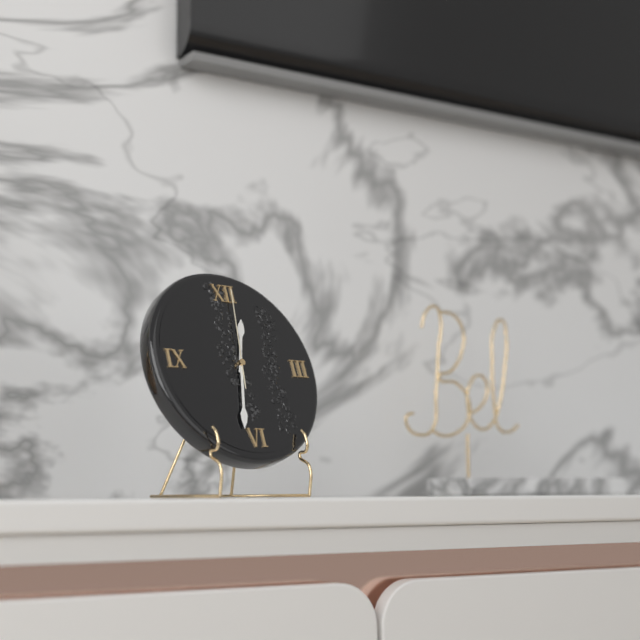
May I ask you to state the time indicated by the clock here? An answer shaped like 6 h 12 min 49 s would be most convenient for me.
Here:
12 h 32 min 01 s
